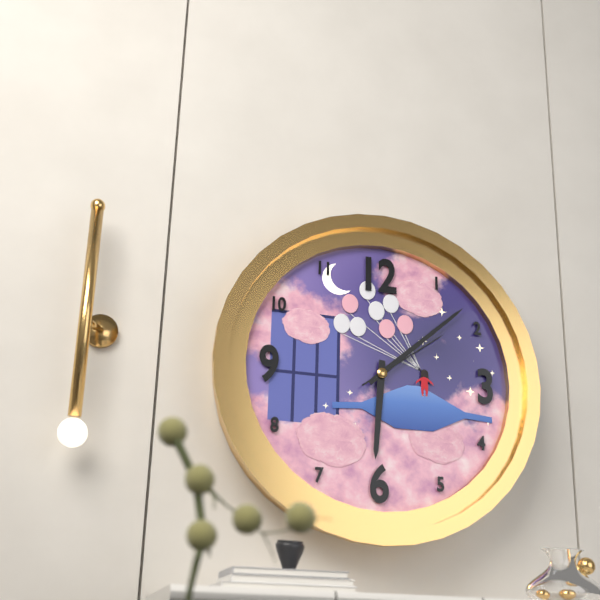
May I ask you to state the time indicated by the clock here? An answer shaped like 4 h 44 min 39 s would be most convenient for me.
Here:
6 h 08 min 09 s
